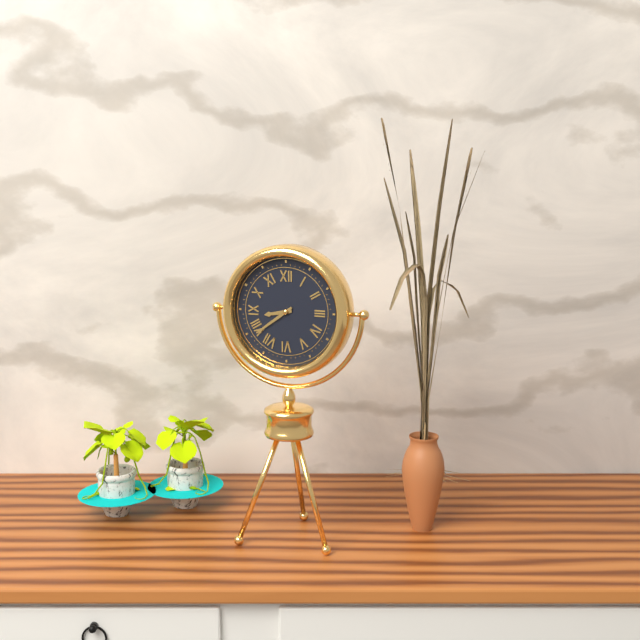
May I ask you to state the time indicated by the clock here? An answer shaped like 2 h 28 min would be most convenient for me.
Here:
8 h 39 min
